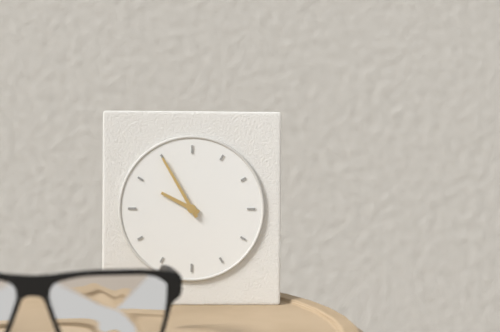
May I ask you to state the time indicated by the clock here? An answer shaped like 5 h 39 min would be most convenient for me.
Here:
9 h 55 min
